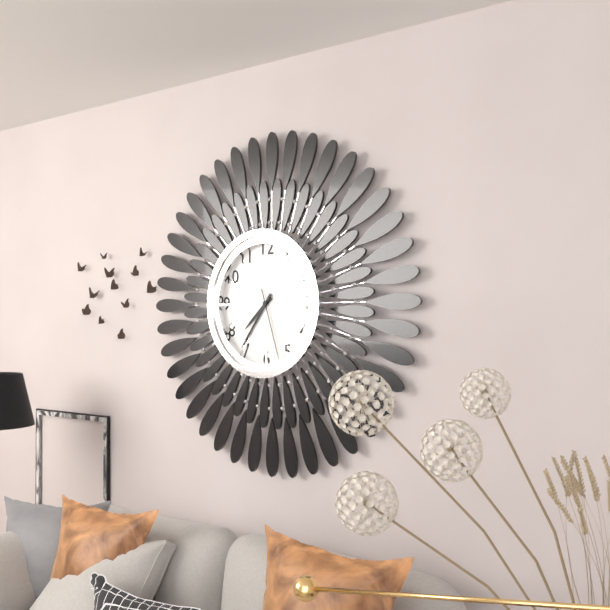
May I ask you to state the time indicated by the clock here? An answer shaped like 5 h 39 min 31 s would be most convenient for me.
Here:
7 h 36 min 27 s
